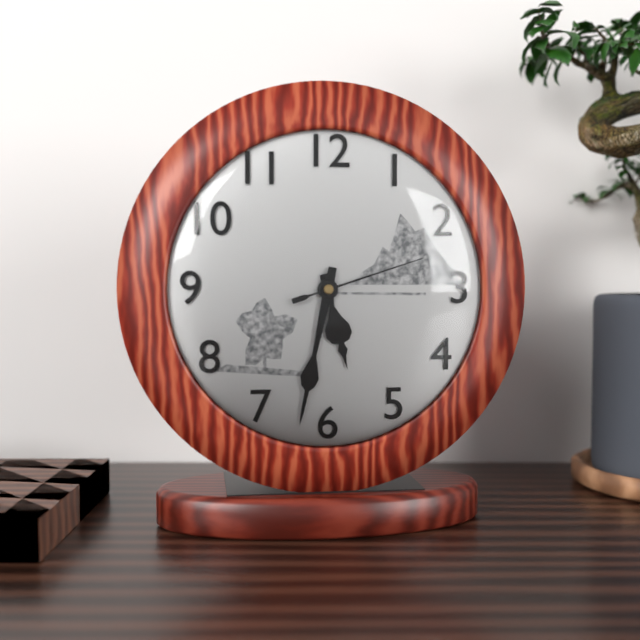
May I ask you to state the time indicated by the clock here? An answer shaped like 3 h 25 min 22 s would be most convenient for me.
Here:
5 h 32 min 12 s
